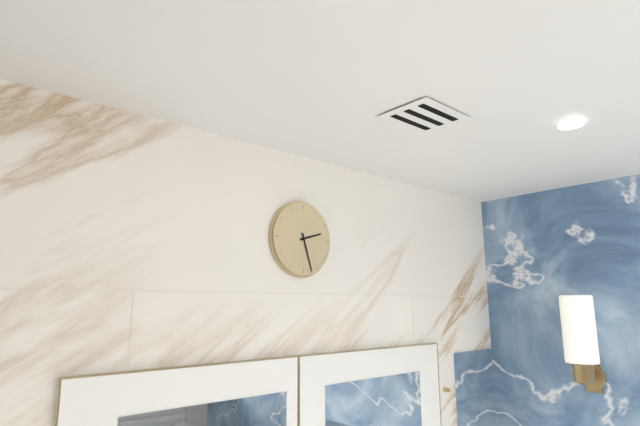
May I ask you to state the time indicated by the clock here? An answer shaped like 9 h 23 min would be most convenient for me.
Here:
2 h 27 min
